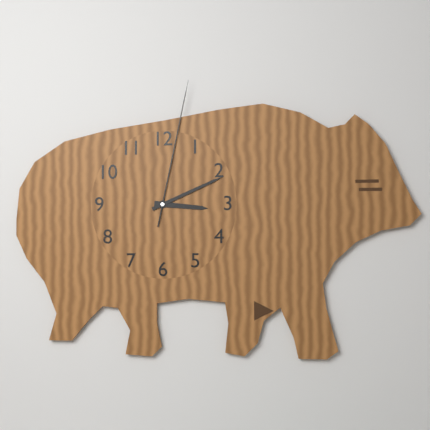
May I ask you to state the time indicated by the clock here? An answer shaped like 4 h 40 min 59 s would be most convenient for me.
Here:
3 h 11 min 02 s
